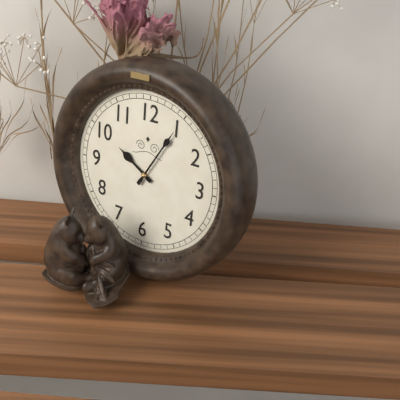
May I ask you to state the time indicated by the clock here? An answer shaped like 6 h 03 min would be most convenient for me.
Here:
10 h 05 min
